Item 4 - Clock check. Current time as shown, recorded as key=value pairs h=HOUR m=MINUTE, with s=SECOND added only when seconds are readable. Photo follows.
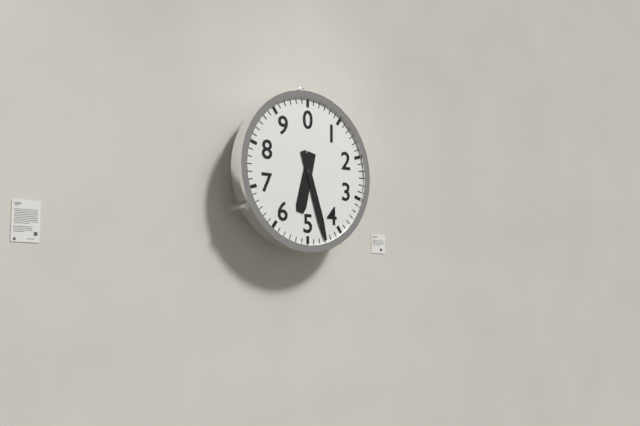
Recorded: h=6 m=27
